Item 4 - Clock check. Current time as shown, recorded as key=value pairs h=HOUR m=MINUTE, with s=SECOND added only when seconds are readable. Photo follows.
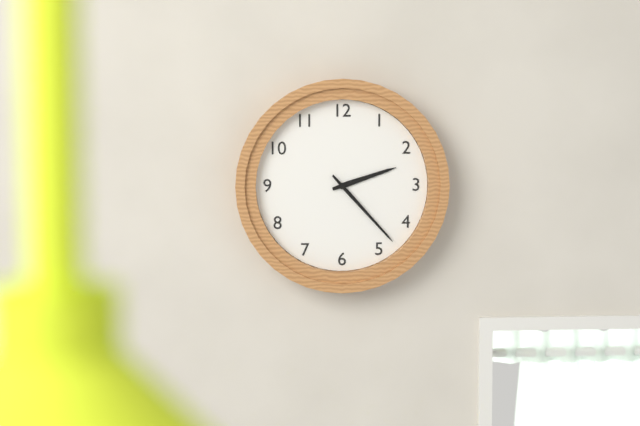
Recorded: h=2 m=23
